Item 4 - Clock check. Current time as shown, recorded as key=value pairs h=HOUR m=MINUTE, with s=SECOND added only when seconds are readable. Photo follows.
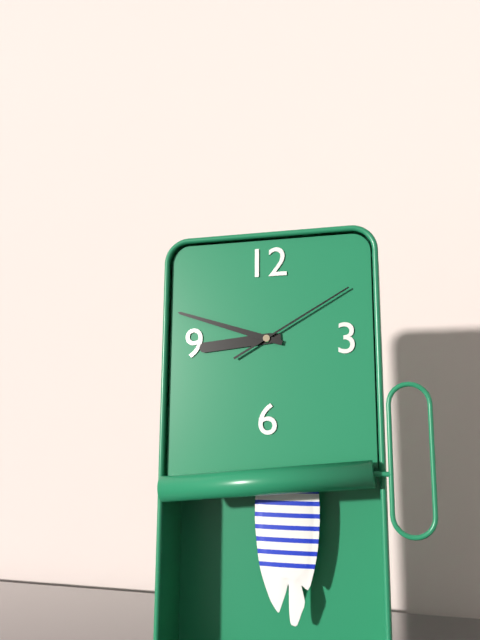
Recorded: h=8 m=48 s=10
